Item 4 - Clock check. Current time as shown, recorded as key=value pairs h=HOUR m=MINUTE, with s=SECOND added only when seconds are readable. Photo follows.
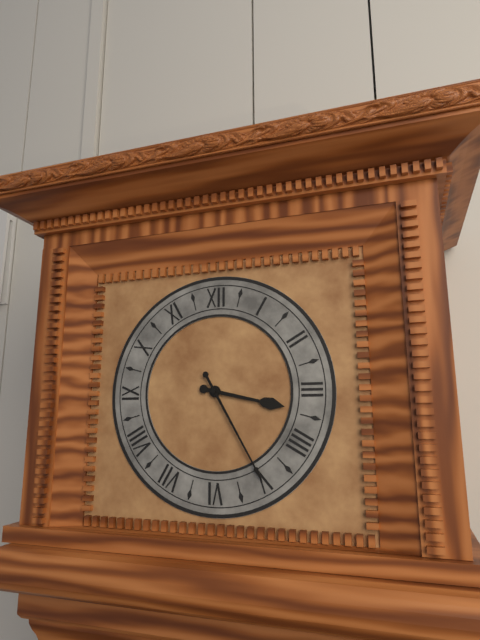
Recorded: h=3 m=25
